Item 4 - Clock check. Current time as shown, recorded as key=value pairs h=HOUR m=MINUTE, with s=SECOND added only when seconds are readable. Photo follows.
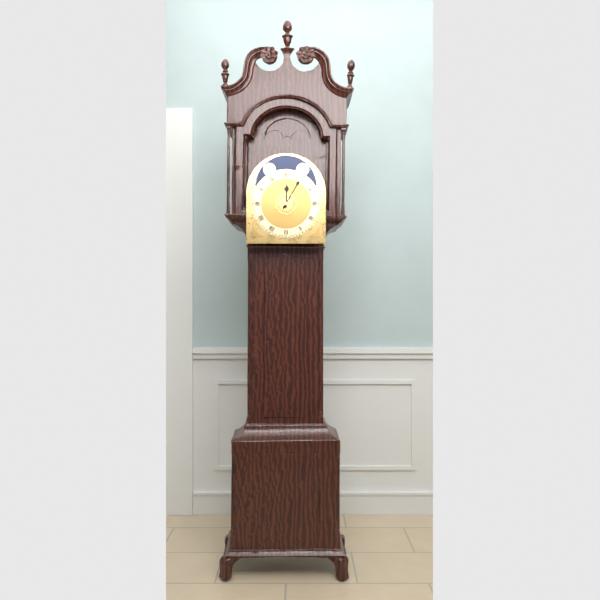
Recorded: h=12 m=5
